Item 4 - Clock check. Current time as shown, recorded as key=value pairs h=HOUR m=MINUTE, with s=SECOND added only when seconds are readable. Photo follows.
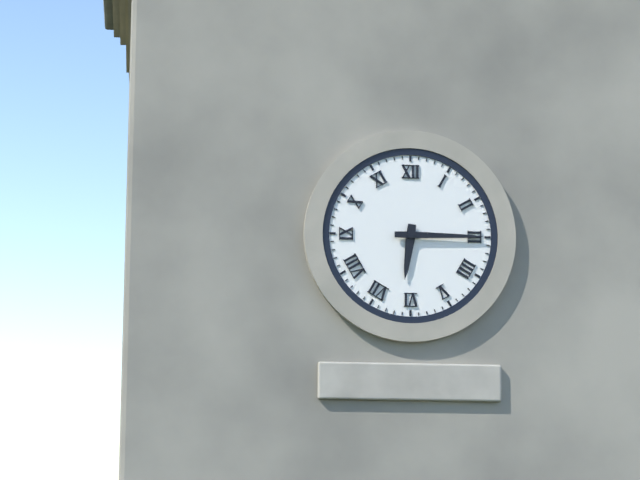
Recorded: h=6 m=15
